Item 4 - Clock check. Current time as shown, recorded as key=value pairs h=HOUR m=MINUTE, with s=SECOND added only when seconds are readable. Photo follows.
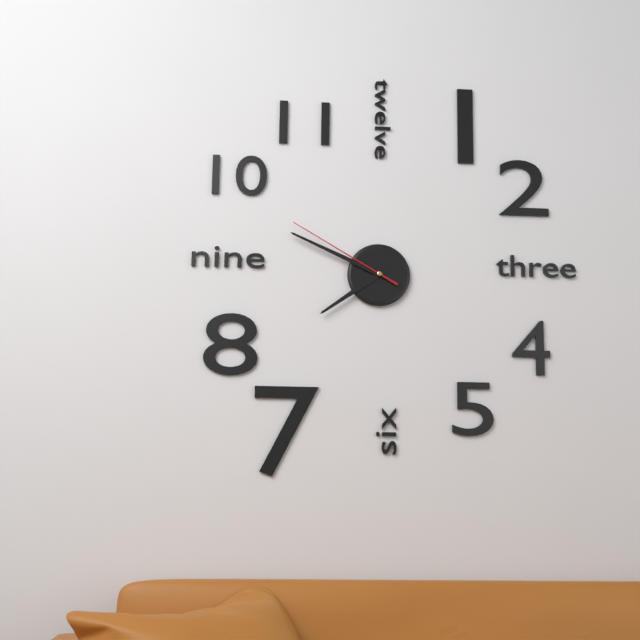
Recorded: h=7 m=49 s=50
